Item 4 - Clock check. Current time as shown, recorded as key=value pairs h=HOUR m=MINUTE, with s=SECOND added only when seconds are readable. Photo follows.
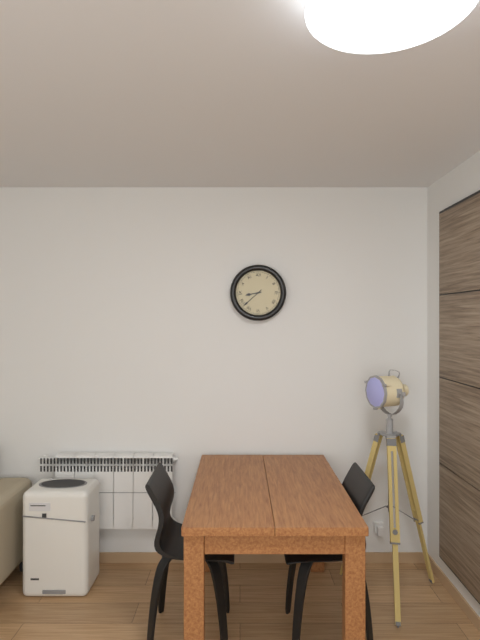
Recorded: h=8 m=38
